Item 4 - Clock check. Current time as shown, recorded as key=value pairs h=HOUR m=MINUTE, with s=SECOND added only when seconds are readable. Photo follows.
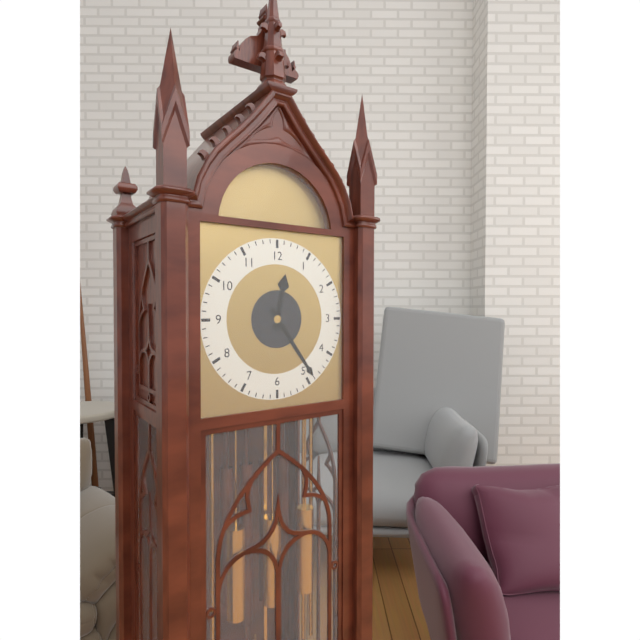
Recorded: h=12 m=24
